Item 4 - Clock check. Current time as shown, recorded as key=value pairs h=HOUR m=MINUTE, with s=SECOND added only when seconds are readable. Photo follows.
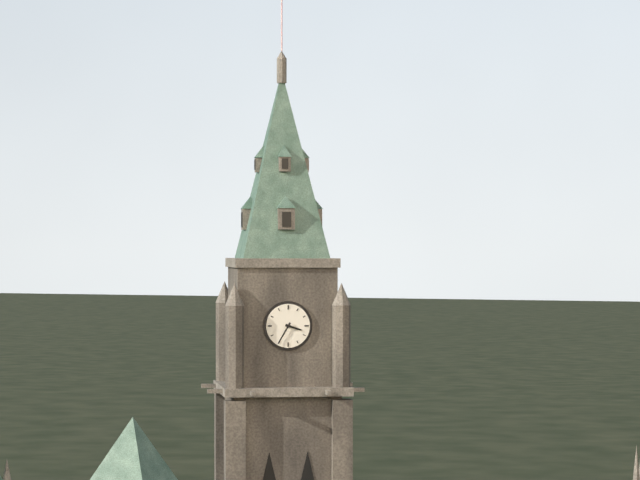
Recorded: h=3 m=35
